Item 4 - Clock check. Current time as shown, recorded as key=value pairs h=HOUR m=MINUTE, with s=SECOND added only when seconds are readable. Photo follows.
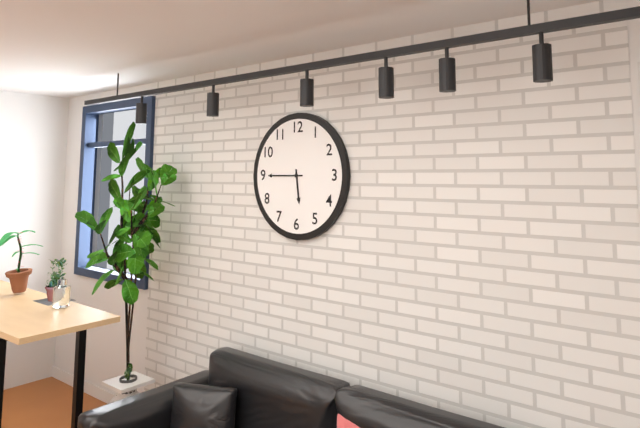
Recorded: h=5 m=45
